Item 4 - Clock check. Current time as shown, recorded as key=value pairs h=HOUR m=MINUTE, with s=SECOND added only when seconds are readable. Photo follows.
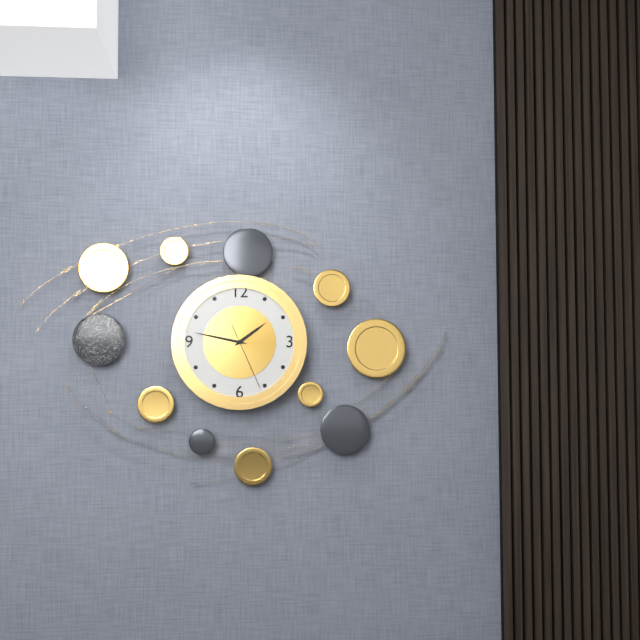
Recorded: h=1 m=47 s=26
